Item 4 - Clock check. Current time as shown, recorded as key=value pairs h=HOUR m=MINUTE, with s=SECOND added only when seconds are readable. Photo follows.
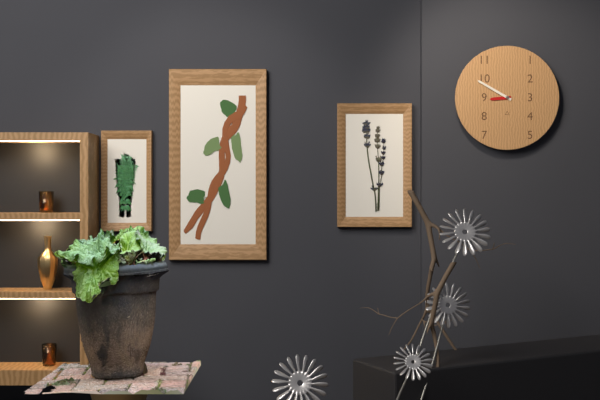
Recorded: h=8 m=50
